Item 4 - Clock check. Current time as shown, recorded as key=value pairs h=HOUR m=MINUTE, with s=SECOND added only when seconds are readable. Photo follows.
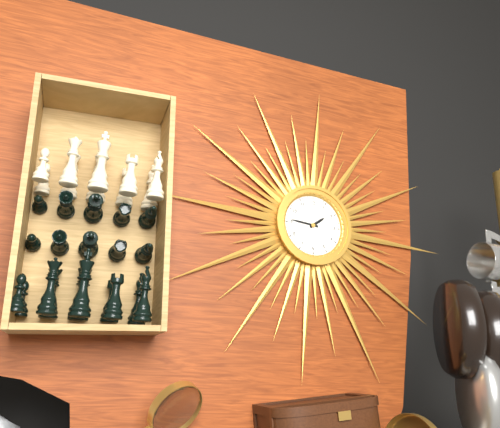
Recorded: h=1 m=46
